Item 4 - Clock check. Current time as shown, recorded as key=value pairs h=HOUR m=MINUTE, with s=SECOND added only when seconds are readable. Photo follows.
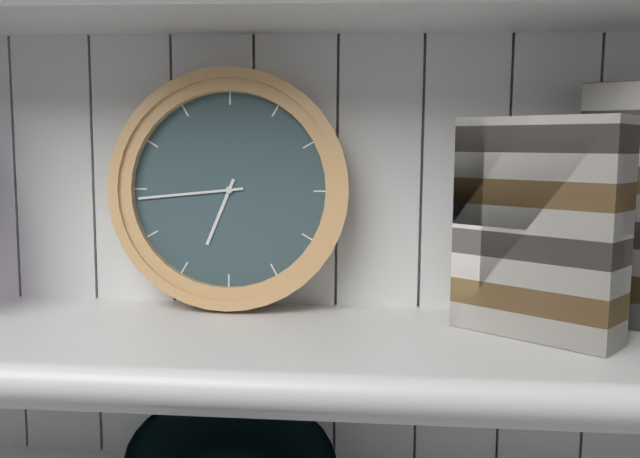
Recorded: h=6 m=44
